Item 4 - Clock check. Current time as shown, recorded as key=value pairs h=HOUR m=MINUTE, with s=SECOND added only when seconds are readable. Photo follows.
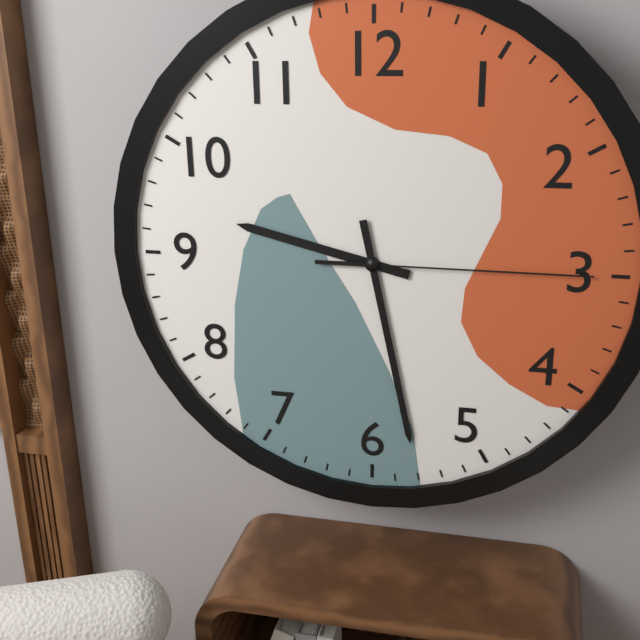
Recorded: h=9 m=28 s=15
